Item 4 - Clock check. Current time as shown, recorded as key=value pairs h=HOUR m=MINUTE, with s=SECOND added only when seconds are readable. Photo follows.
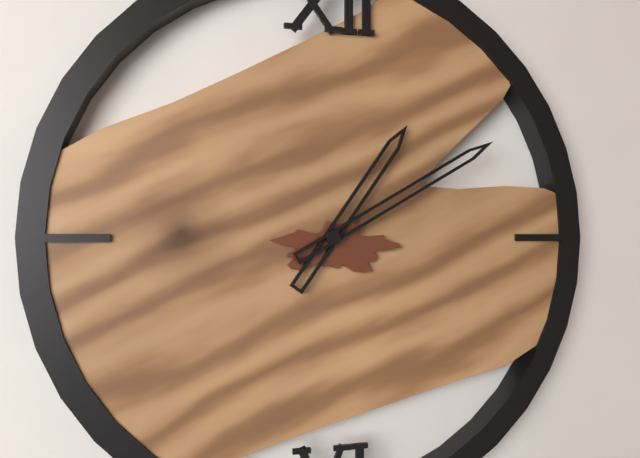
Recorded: h=1 m=10
